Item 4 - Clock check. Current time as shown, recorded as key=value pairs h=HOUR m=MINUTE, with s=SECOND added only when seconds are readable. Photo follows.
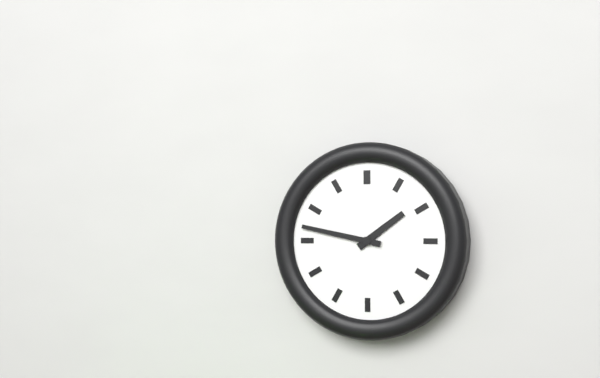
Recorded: h=1 m=47
